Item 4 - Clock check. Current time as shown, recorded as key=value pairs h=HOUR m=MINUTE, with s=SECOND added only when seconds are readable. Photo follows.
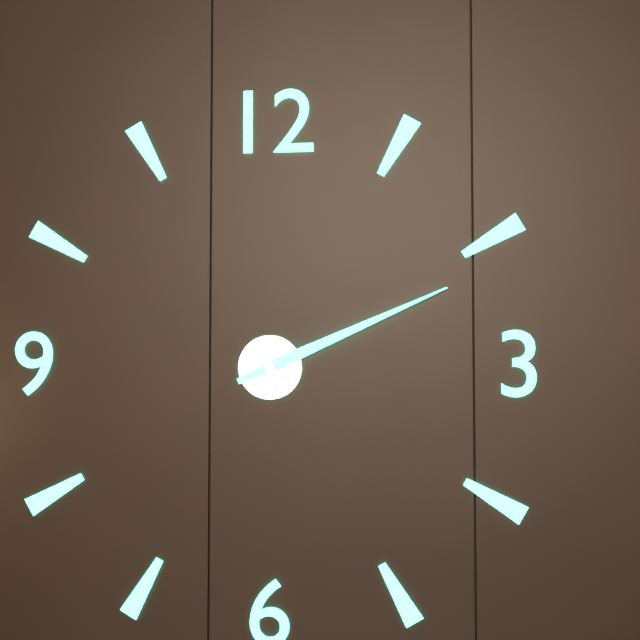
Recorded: h=2 m=11
